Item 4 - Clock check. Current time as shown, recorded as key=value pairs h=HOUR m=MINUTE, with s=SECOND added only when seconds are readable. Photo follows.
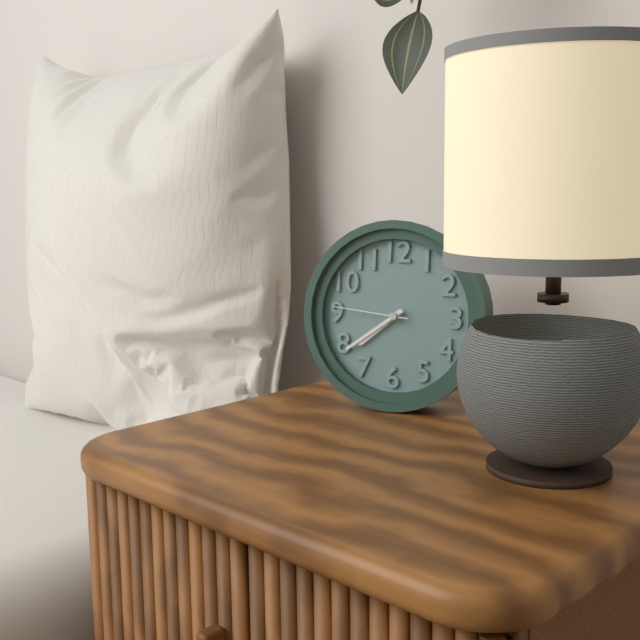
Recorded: h=7 m=39 s=46
